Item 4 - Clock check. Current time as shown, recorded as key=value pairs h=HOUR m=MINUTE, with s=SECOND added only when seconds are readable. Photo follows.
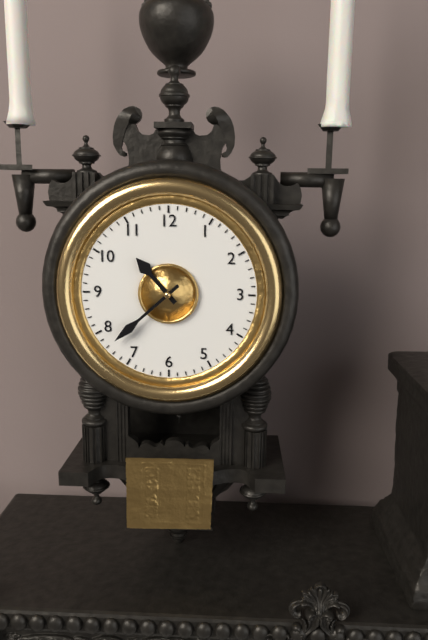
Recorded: h=10 m=38
